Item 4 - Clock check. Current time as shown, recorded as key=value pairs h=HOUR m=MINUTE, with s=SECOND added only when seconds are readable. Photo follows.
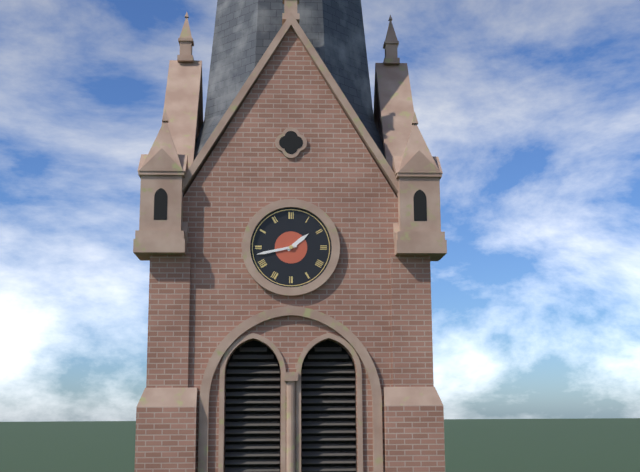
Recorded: h=1 m=43
